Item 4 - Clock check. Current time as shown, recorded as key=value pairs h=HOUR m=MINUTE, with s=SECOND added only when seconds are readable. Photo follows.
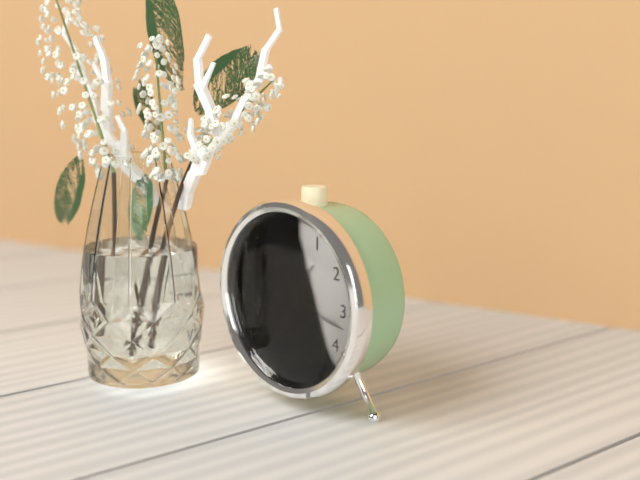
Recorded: h=1 m=17
